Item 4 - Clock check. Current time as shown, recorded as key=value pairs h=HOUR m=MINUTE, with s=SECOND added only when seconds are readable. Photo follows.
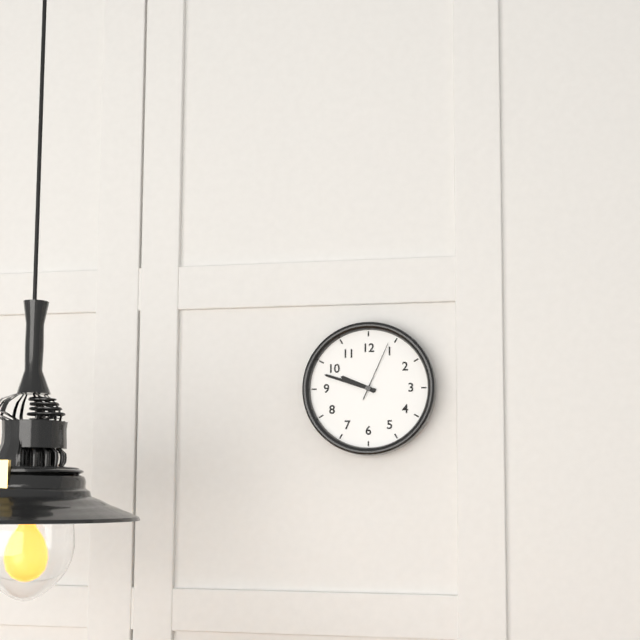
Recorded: h=9 m=48 s=4
